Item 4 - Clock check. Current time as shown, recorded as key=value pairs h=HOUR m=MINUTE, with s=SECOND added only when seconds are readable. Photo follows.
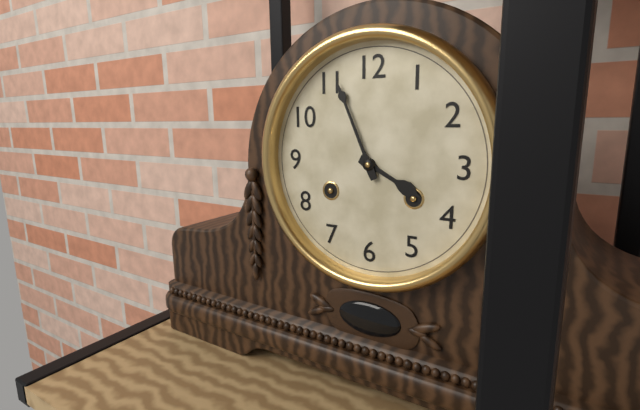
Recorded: h=3 m=56
